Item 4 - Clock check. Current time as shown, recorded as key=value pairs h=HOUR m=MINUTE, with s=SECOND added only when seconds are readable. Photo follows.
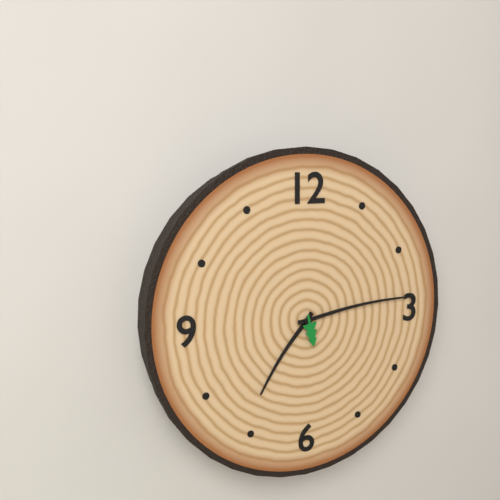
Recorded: h=7 m=14
